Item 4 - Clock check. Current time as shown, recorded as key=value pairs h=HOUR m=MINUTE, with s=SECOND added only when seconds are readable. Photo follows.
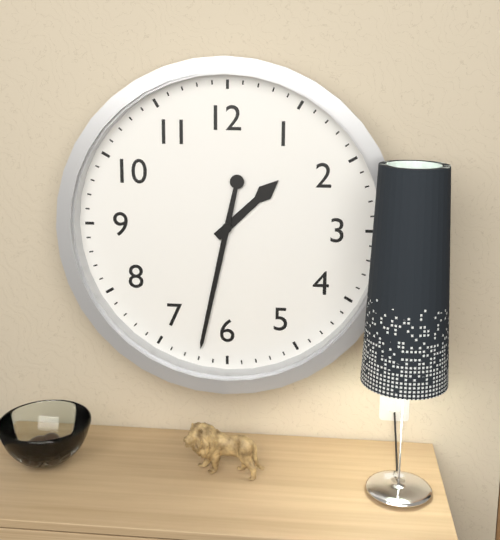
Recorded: h=1 m=32
